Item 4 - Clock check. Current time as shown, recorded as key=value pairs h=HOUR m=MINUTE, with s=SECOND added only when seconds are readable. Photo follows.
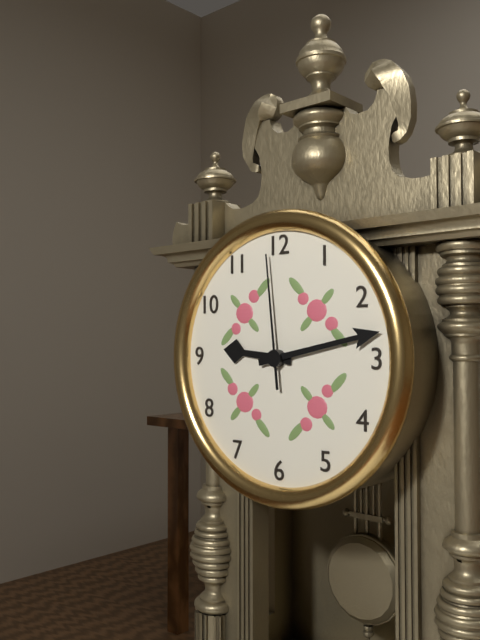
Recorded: h=9 m=13 s=59
